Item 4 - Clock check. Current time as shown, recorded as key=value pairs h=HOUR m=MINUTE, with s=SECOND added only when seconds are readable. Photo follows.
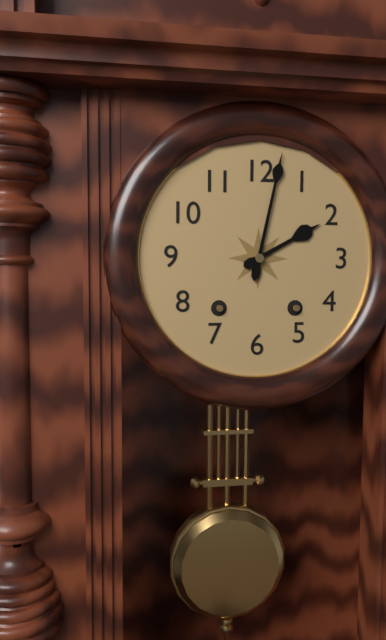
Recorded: h=2 m=2
